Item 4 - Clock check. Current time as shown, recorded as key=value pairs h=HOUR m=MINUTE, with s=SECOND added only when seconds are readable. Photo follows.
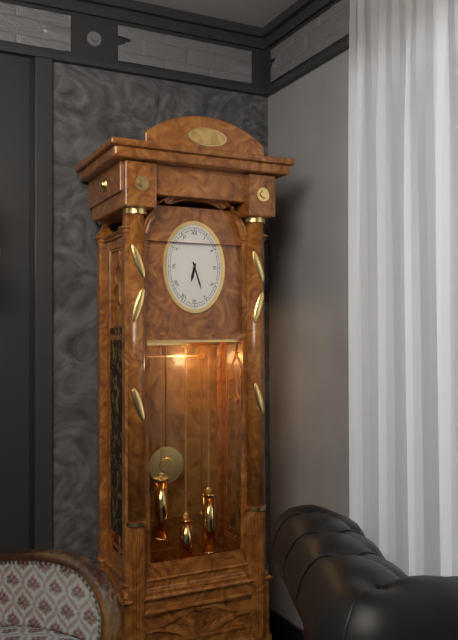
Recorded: h=6 m=27
